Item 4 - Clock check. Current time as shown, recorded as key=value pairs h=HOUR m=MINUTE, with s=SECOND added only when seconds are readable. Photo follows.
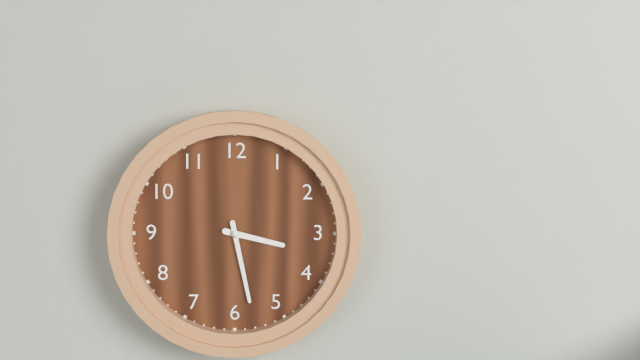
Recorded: h=3 m=28
